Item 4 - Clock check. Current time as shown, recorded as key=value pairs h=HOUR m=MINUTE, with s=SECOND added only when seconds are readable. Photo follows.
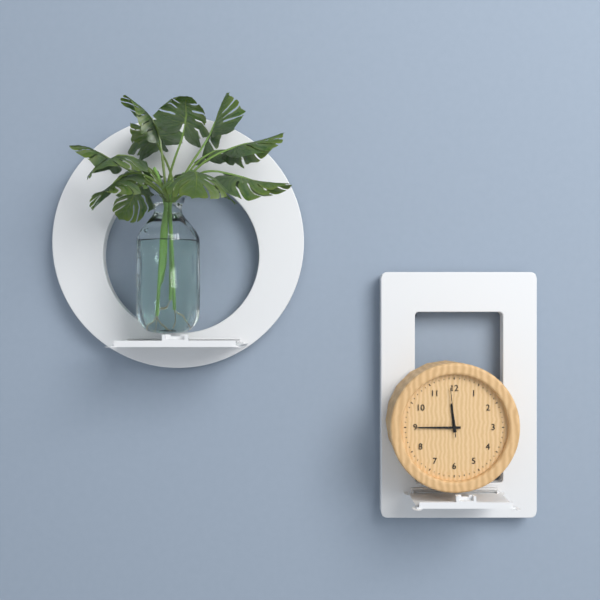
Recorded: h=11 m=45 s=59
